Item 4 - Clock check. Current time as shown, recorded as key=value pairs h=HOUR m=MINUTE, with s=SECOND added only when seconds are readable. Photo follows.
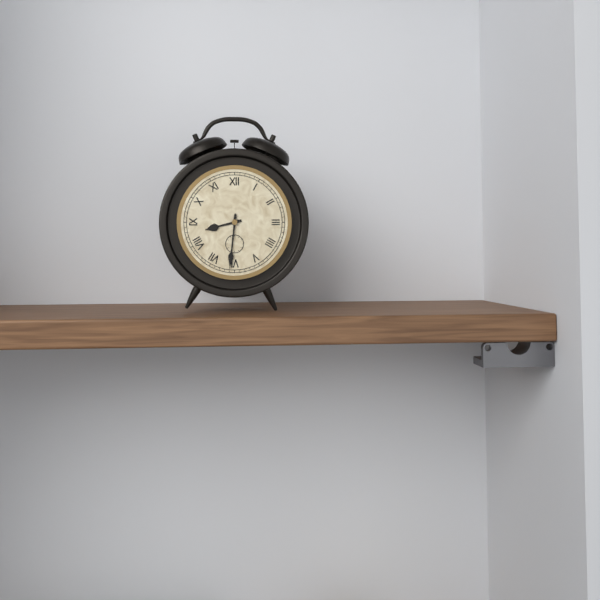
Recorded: h=8 m=31
